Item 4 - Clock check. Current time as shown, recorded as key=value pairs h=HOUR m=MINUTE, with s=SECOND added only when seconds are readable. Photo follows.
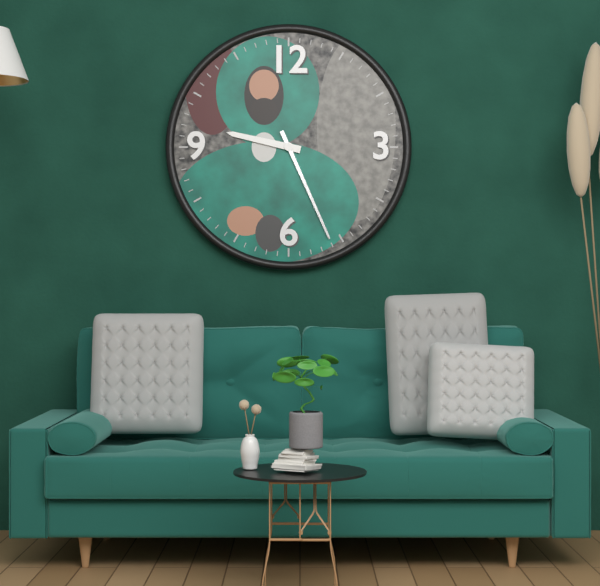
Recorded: h=9 m=26
